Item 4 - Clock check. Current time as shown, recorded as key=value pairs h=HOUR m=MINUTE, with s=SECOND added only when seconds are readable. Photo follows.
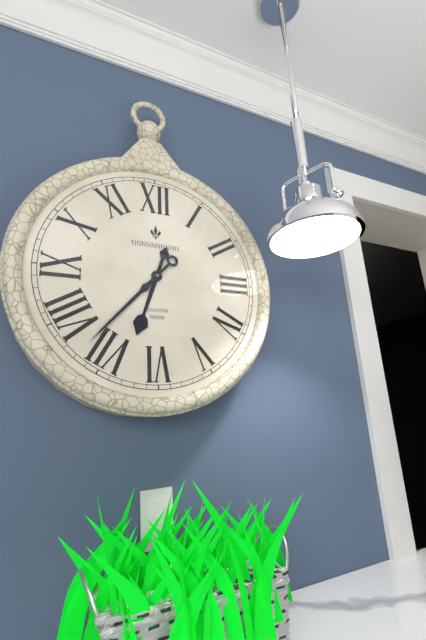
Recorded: h=6 m=37
